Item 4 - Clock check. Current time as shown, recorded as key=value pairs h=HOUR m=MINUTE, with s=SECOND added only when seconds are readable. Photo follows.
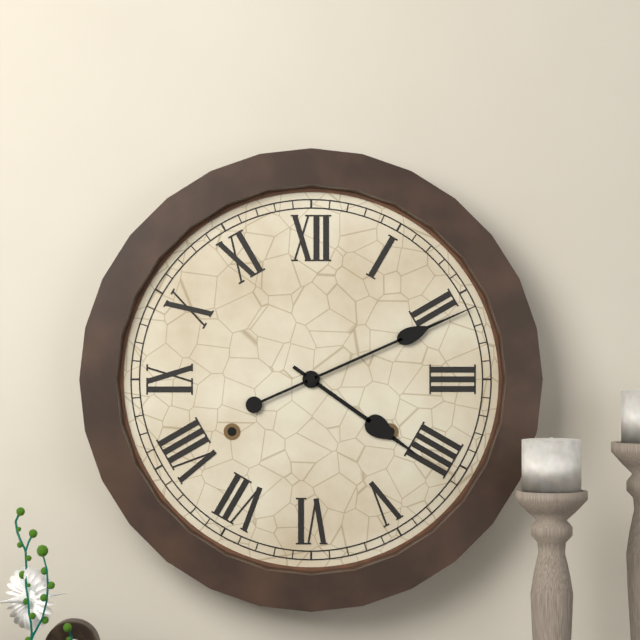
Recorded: h=4 m=11
